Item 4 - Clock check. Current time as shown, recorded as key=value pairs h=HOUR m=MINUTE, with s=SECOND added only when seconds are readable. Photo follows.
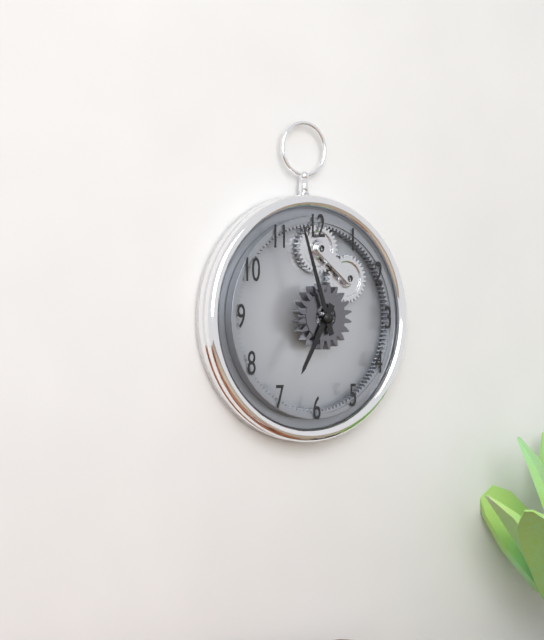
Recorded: h=6 m=57
